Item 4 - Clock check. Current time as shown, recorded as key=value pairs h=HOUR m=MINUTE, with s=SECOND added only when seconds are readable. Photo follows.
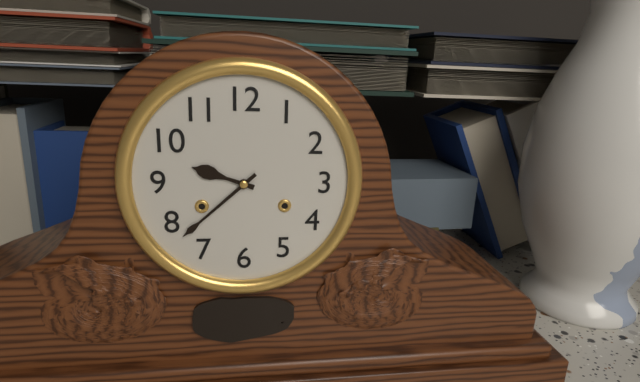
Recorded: h=9 m=38
